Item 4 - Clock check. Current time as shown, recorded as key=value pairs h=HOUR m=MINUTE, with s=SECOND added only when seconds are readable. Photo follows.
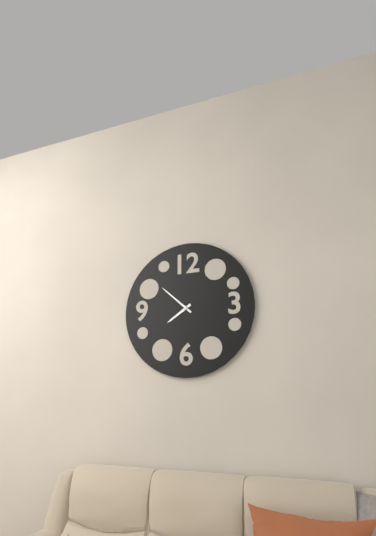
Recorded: h=7 m=52
